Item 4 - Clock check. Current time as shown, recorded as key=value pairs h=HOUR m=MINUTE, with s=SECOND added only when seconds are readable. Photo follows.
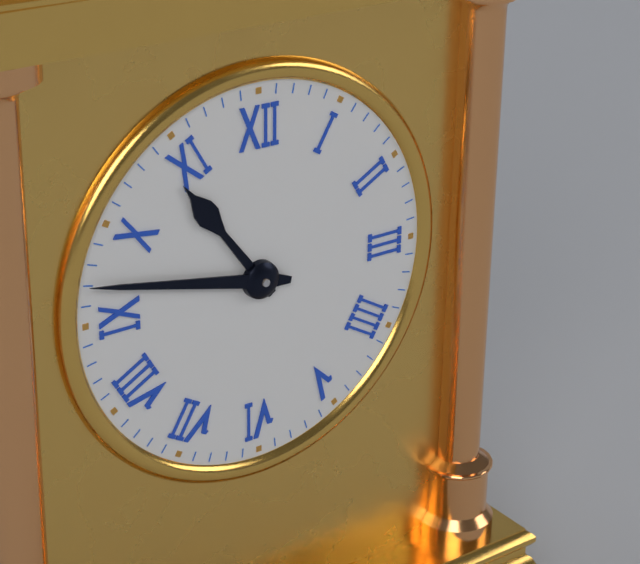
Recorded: h=10 m=47
